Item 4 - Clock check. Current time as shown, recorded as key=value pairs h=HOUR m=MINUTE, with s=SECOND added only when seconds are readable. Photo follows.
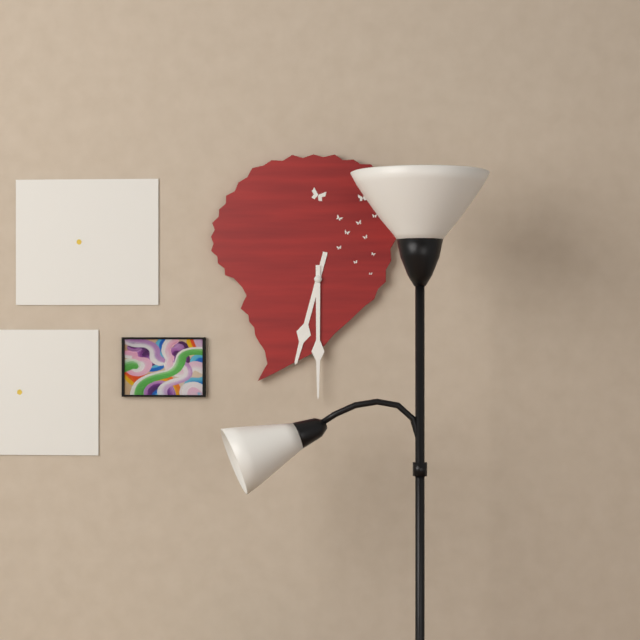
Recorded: h=6 m=30
